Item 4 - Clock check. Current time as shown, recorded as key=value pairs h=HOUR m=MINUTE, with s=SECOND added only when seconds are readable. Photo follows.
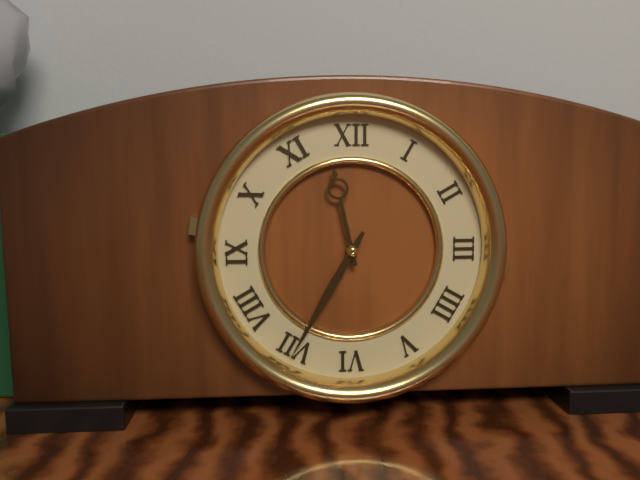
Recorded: h=11 m=35
